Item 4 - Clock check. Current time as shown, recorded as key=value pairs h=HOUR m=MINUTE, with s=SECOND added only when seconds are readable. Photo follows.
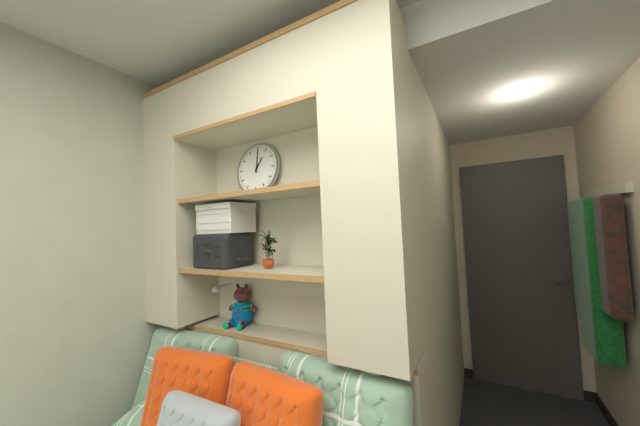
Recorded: h=1 m=0
